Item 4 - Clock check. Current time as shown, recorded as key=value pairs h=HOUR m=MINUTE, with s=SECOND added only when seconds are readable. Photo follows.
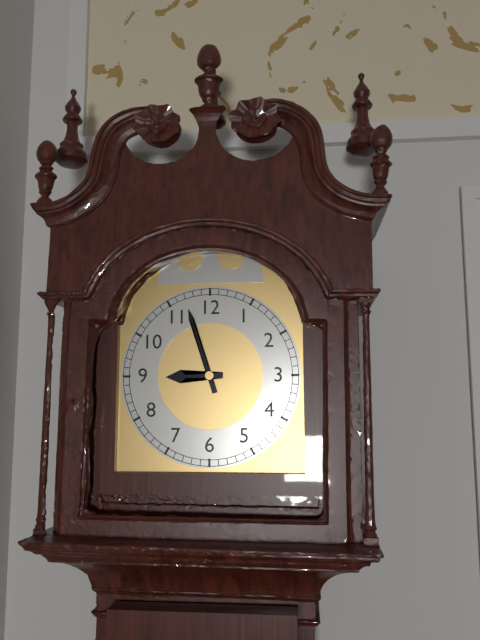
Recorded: h=8 m=57
